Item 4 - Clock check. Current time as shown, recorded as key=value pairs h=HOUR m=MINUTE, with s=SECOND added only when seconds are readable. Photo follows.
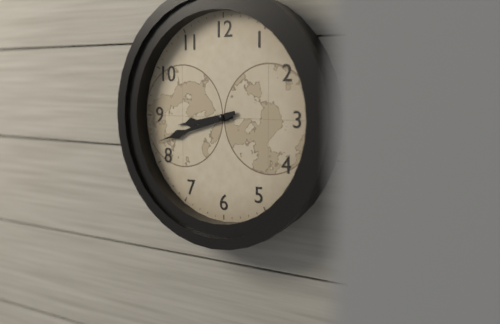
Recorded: h=8 m=42
